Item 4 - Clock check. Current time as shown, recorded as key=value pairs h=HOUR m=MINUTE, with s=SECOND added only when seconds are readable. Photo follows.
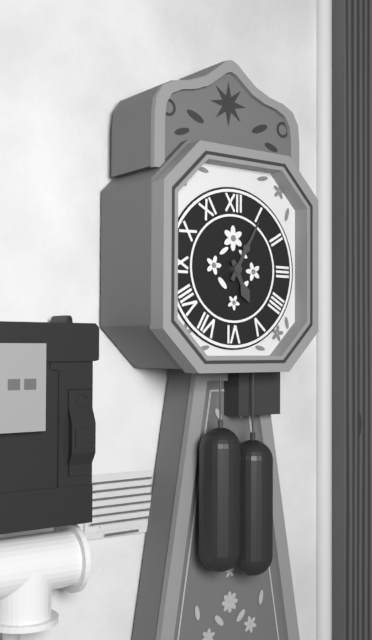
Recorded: h=5 m=5
